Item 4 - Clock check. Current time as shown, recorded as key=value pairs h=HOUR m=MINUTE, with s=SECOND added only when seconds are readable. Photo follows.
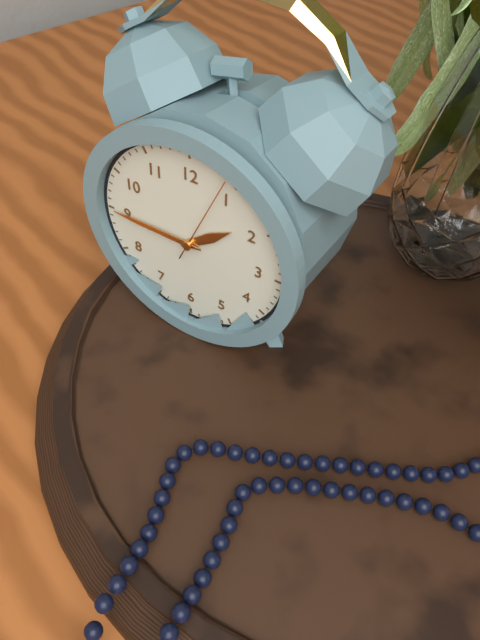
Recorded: h=1 m=45 s=4
